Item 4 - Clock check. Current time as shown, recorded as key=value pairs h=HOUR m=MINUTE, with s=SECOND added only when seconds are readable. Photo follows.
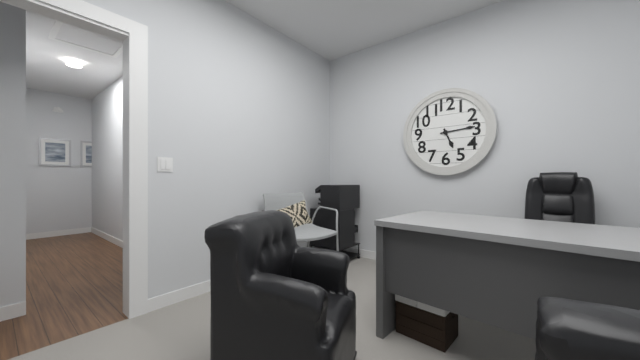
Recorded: h=5 m=14
